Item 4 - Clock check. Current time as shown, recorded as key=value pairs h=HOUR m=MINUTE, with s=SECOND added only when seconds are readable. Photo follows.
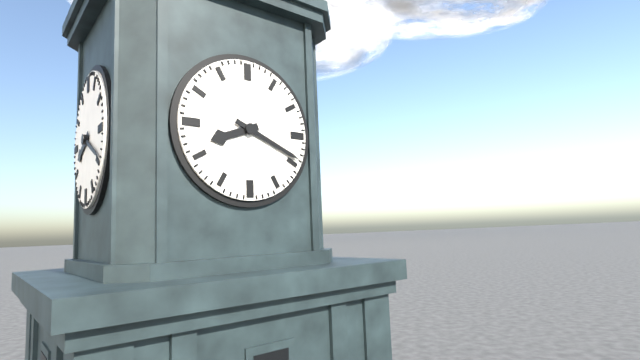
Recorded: h=8 m=19
